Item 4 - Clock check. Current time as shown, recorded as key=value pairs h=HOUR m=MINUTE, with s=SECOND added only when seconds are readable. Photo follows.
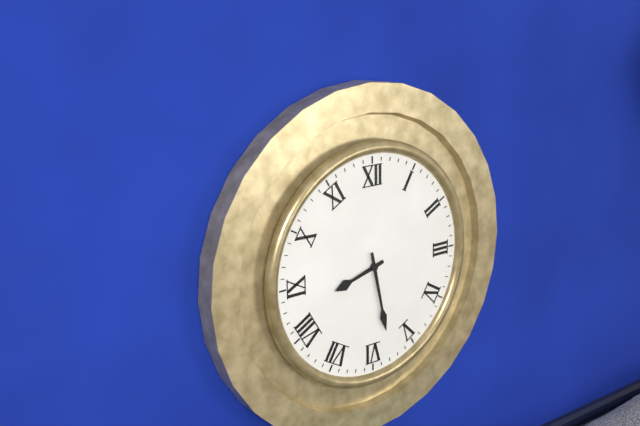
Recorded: h=8 m=28
